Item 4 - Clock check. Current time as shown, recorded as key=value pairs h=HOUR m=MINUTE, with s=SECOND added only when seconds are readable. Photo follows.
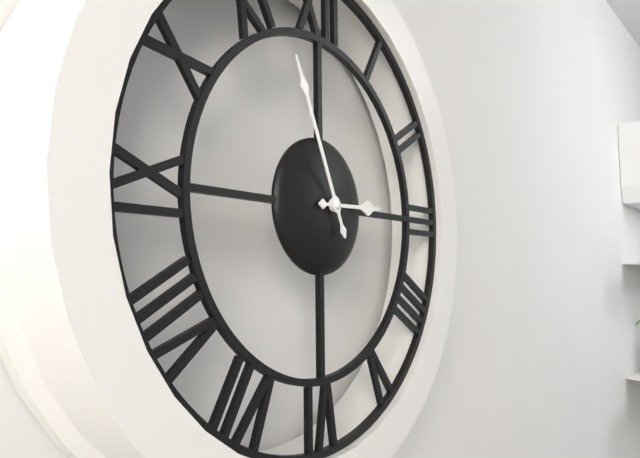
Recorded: h=2 m=56
